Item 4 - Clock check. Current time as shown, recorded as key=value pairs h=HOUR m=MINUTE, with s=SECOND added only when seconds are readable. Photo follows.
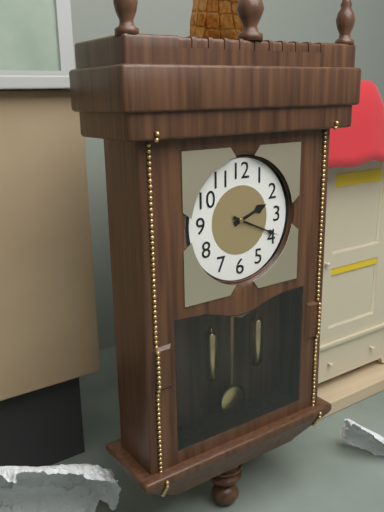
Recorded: h=2 m=19
